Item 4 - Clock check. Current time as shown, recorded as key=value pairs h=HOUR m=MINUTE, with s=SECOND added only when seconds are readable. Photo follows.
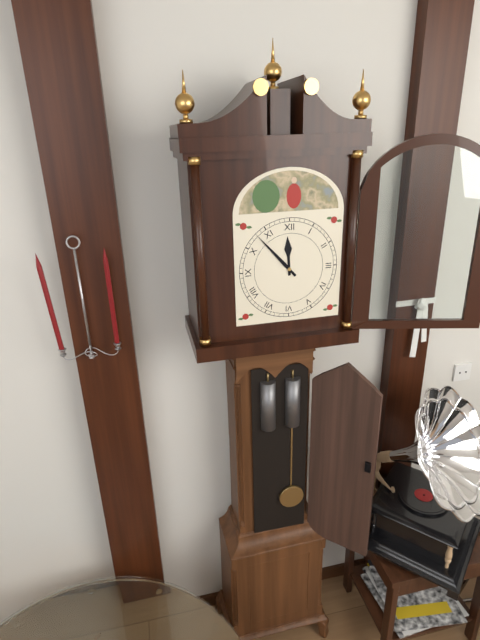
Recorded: h=11 m=53
